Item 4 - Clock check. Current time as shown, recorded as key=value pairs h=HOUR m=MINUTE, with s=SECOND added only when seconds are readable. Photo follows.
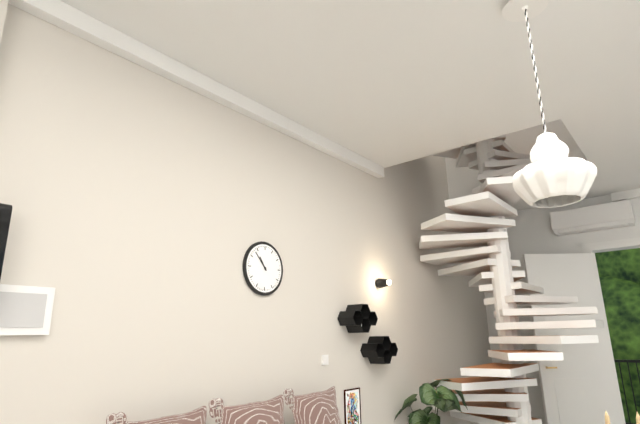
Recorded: h=10 m=53
